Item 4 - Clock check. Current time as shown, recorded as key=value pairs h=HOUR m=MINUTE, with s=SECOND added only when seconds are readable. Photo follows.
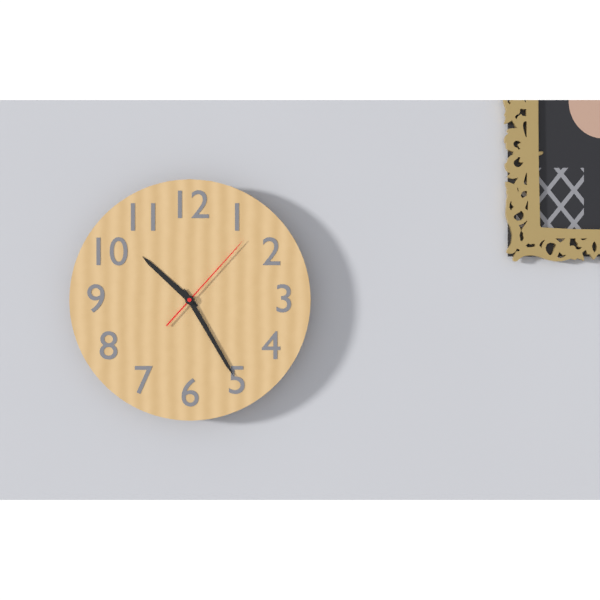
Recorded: h=10 m=25 s=7
